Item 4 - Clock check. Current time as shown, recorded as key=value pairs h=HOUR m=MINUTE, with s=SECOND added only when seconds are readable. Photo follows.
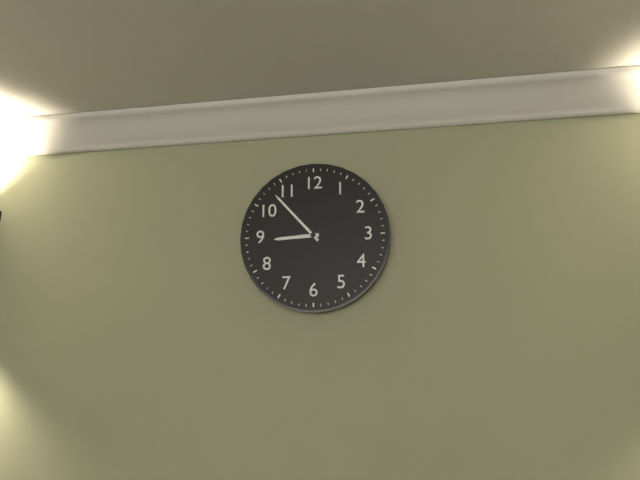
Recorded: h=8 m=53
